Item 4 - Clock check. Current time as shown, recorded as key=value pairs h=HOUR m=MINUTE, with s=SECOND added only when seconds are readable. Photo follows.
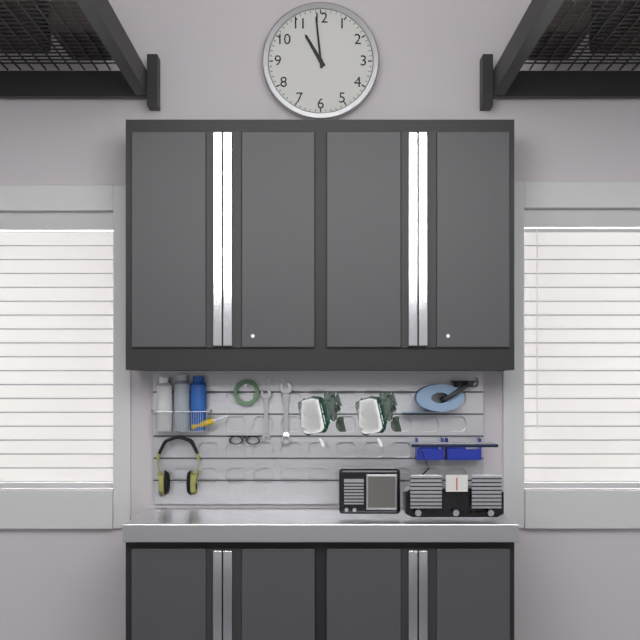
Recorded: h=10 m=59
